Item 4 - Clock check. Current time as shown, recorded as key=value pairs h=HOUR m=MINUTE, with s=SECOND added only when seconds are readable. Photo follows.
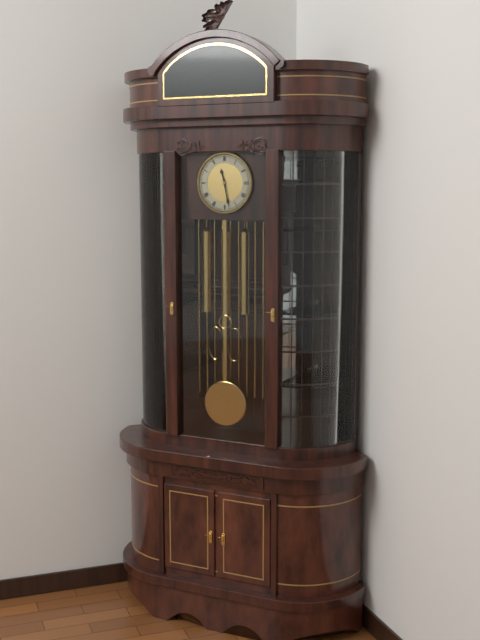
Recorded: h=11 m=28
